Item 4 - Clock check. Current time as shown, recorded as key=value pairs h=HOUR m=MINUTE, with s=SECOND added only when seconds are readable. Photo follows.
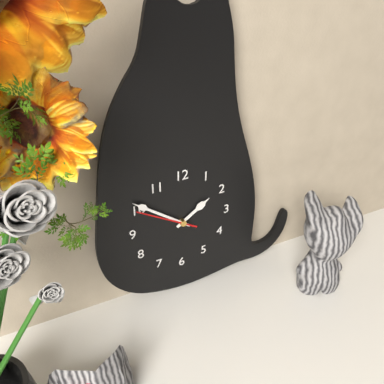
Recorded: h=1 m=51 s=50
